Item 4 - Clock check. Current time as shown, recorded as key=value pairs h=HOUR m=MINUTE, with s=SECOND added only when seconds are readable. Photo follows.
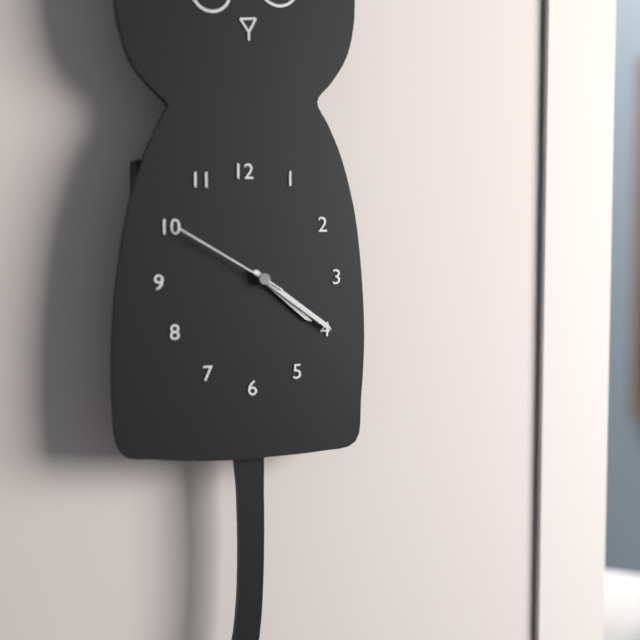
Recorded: h=4 m=21 s=50
